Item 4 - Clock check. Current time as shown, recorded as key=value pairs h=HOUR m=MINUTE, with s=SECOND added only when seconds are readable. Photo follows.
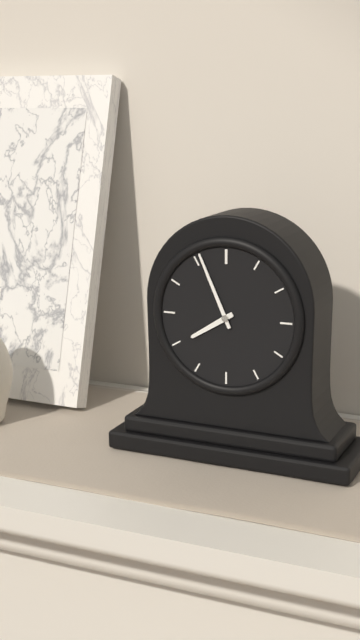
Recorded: h=7 m=56
